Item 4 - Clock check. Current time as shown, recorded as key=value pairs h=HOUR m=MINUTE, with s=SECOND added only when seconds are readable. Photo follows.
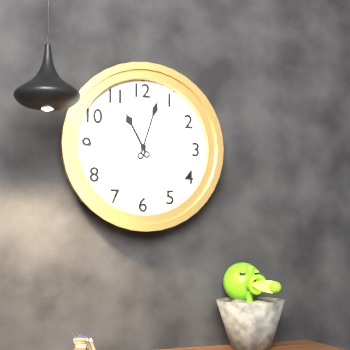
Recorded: h=11 m=3
